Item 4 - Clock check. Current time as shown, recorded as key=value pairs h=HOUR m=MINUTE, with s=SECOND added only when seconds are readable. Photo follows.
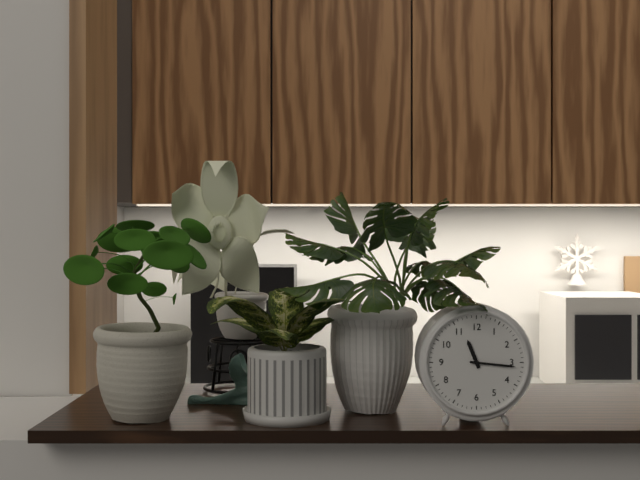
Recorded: h=11 m=16
